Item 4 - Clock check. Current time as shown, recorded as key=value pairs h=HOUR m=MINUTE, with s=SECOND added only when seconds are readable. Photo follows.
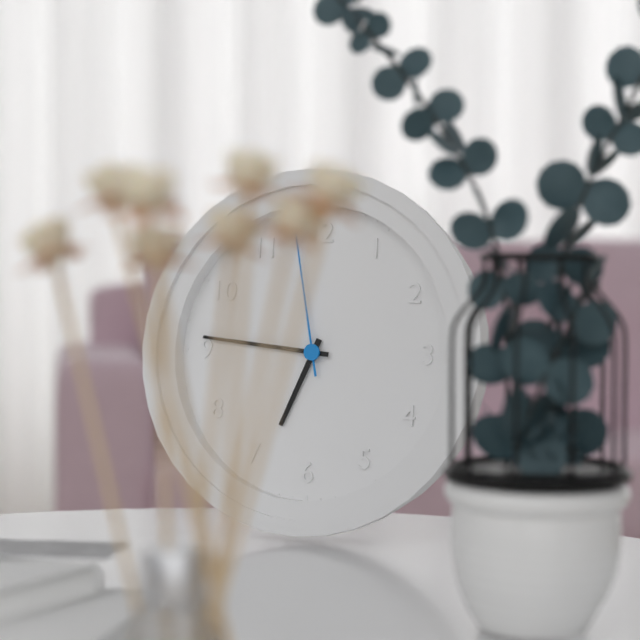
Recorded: h=6 m=46 s=58
